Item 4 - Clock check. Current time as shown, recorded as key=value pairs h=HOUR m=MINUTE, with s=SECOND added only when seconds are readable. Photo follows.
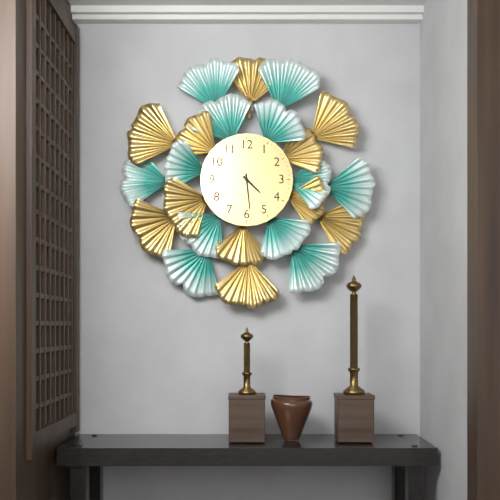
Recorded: h=4 m=29
